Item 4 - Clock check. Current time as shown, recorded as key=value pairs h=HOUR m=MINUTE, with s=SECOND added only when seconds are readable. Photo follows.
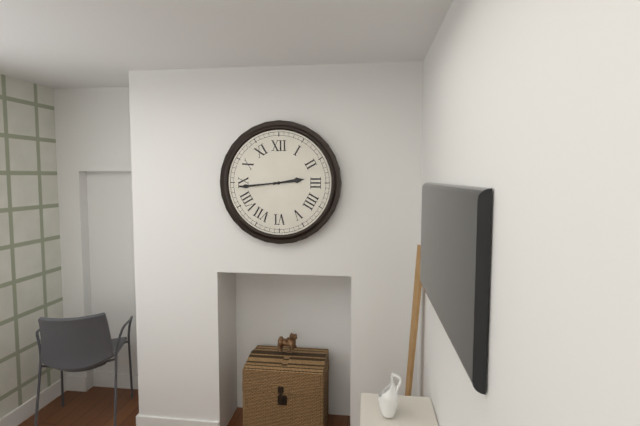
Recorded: h=2 m=44
